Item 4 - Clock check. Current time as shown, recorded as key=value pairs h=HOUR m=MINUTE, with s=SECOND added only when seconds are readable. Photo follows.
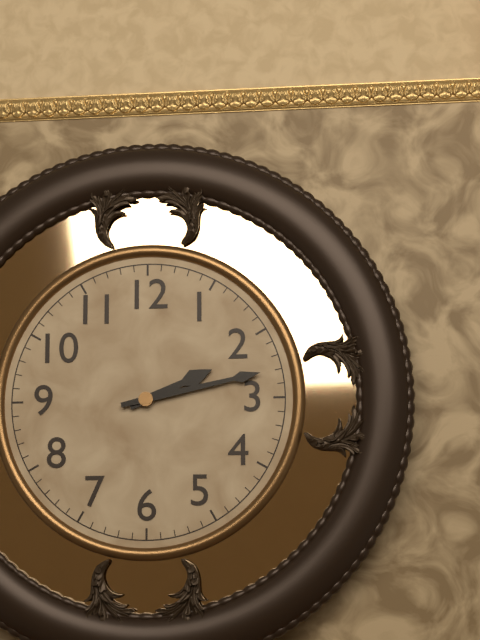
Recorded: h=2 m=13
